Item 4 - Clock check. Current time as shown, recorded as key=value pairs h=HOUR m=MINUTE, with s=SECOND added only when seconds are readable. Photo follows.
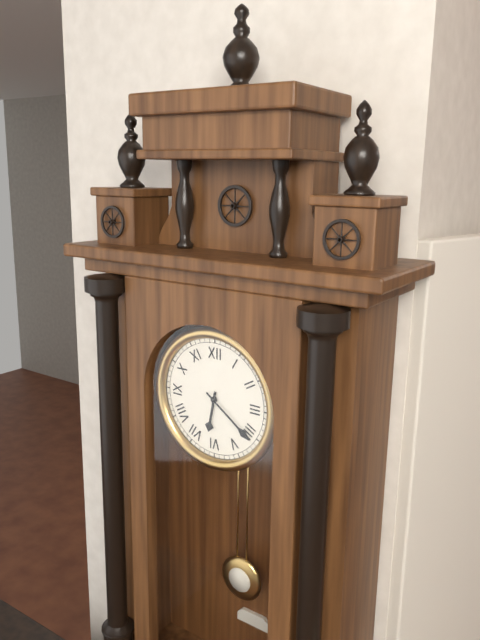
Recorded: h=6 m=21
